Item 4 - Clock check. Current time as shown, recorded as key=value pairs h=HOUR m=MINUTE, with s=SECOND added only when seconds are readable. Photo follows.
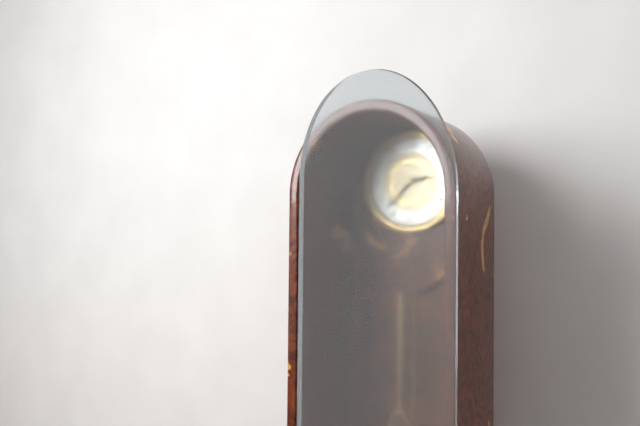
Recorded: h=2 m=37
